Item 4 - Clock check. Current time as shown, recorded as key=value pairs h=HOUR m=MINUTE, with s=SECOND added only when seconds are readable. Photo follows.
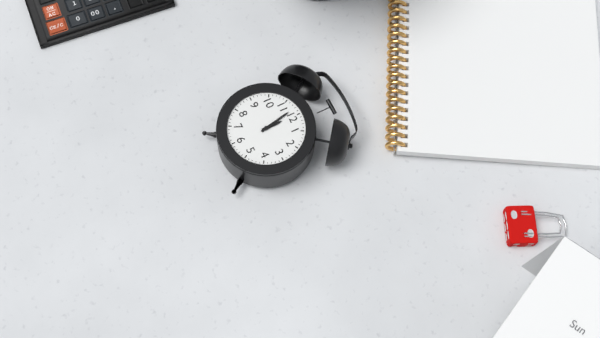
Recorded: h=11 m=58
